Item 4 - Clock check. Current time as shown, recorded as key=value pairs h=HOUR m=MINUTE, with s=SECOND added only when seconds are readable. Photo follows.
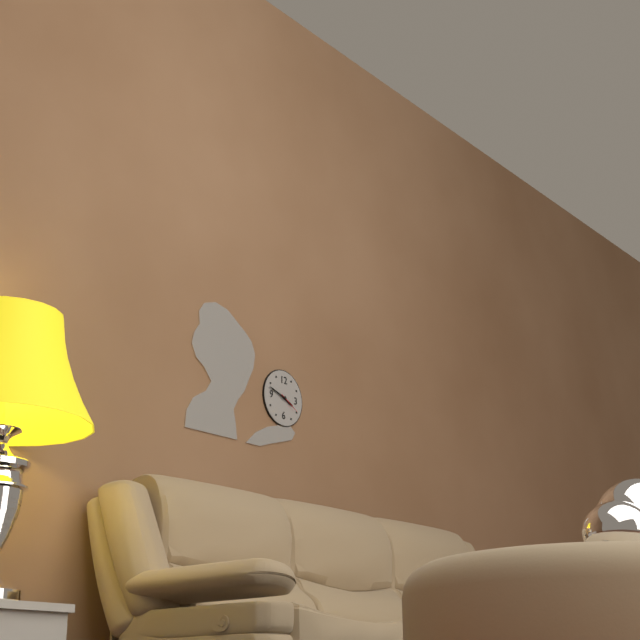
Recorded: h=3 m=48
